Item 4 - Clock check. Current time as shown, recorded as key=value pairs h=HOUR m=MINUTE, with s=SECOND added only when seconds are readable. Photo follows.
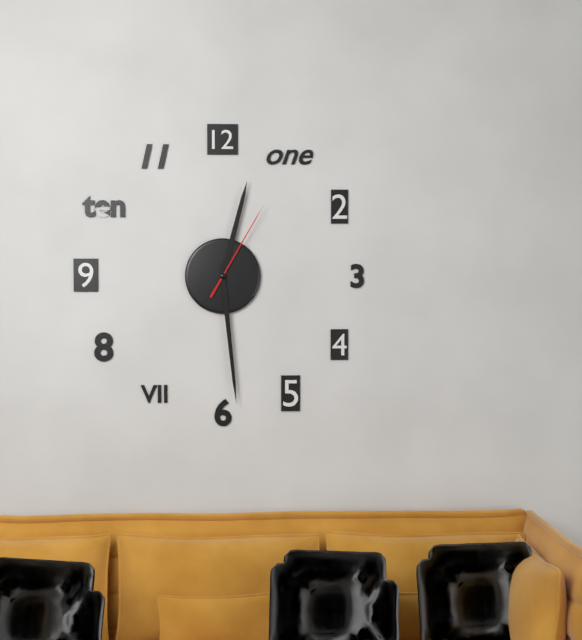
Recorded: h=12 m=29 s=5
